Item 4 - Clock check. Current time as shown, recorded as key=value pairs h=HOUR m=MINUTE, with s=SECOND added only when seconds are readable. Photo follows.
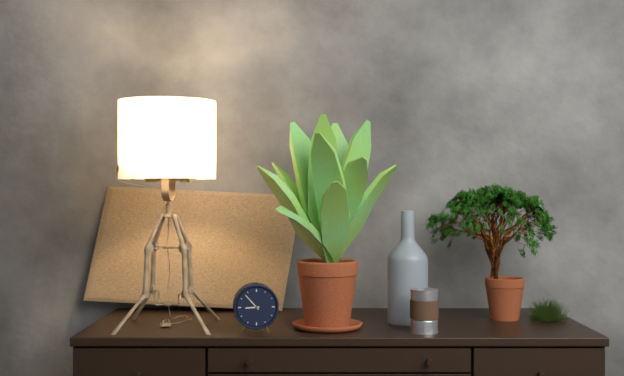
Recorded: h=8 m=53
